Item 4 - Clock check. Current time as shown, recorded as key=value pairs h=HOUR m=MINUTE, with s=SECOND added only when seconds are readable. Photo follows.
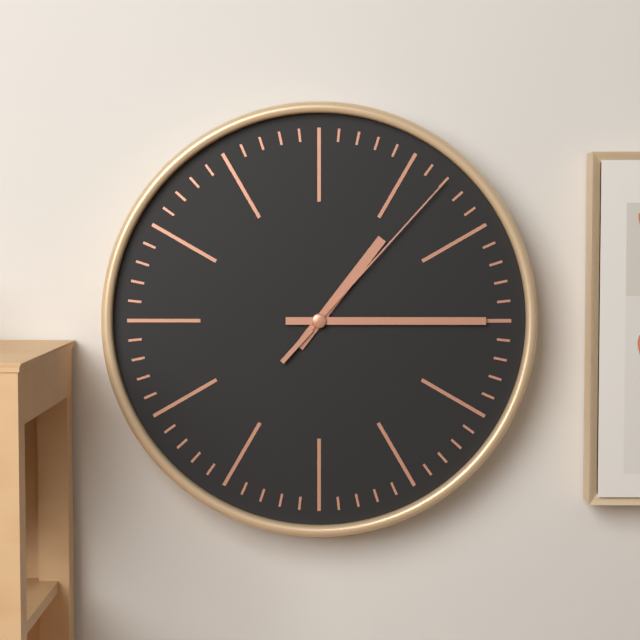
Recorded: h=1 m=15 s=7
